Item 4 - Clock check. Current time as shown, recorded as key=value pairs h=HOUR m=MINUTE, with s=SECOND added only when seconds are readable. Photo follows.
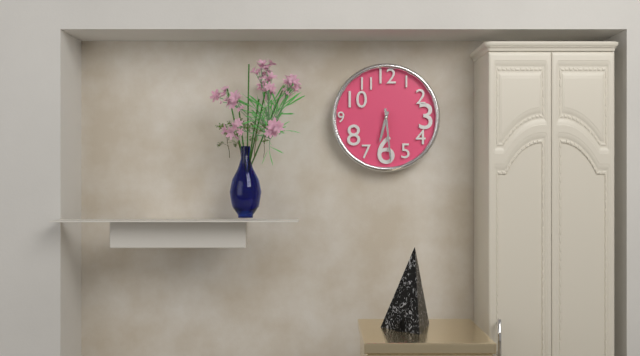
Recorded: h=6 m=29
